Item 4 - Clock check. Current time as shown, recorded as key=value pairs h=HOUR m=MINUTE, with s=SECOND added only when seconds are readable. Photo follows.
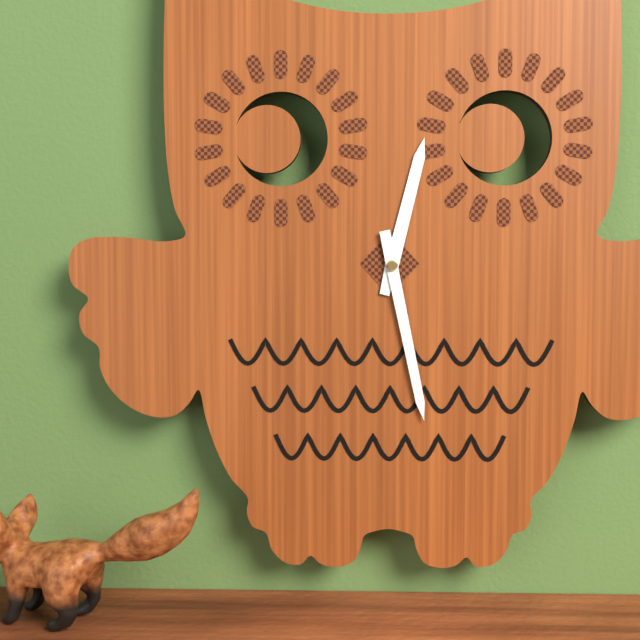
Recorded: h=12 m=28
